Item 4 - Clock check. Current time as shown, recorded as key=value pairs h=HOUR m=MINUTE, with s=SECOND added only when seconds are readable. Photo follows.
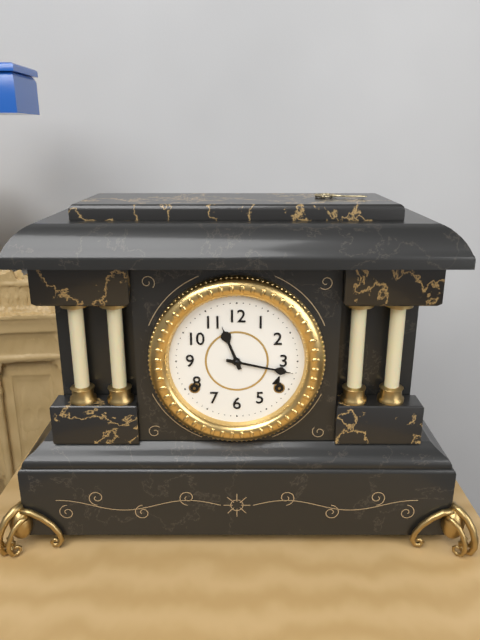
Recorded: h=11 m=17
